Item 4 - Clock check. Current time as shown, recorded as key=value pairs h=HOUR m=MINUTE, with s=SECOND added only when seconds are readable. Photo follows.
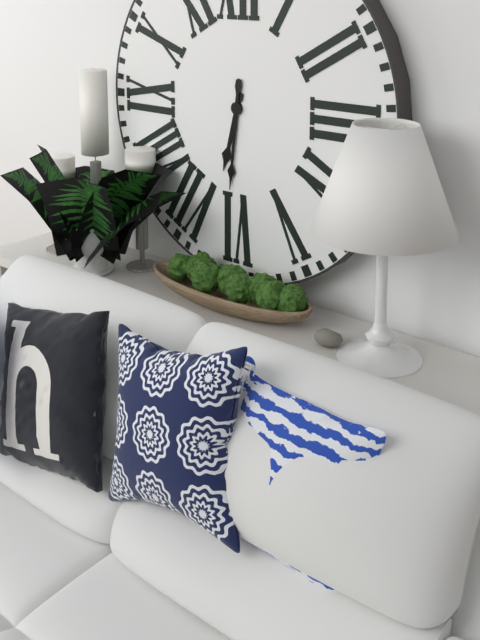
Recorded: h=6 m=31
